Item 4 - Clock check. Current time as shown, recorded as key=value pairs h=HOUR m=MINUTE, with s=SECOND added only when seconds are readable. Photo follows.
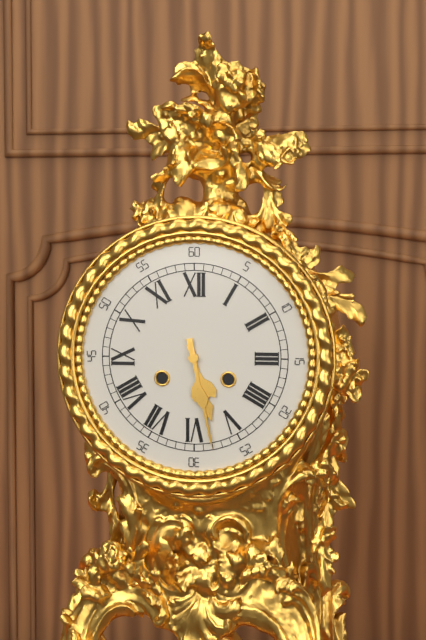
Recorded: h=5 m=28
